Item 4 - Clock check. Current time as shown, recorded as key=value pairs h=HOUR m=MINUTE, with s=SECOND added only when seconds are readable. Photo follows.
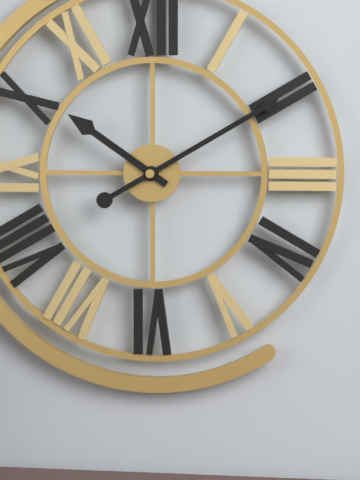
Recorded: h=10 m=10
